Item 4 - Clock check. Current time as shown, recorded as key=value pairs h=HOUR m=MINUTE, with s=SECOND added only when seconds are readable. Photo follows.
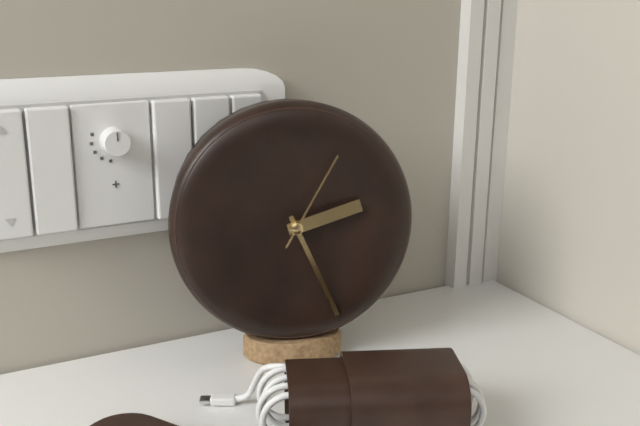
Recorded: h=2 m=26 s=5
